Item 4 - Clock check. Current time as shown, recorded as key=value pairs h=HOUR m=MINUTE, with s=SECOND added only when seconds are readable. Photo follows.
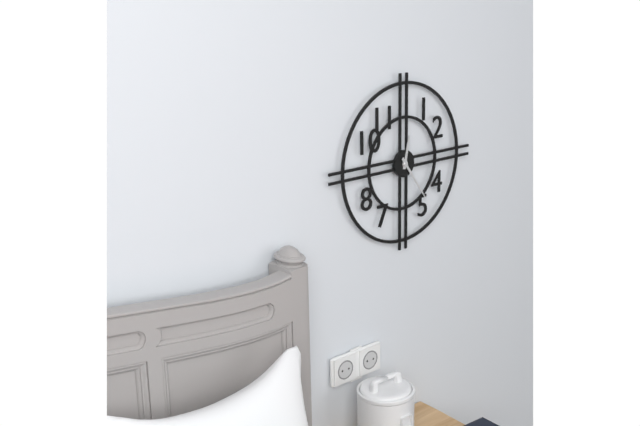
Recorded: h=12 m=24
